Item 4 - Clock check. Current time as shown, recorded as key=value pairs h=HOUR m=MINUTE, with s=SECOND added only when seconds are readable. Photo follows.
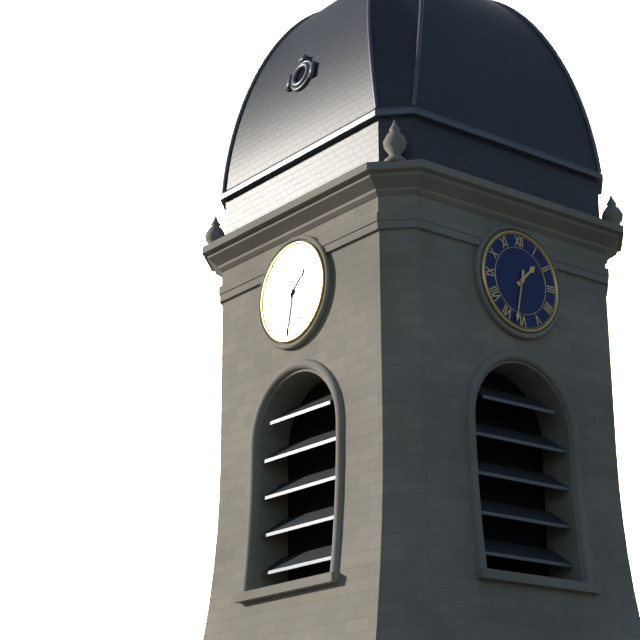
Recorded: h=1 m=32
